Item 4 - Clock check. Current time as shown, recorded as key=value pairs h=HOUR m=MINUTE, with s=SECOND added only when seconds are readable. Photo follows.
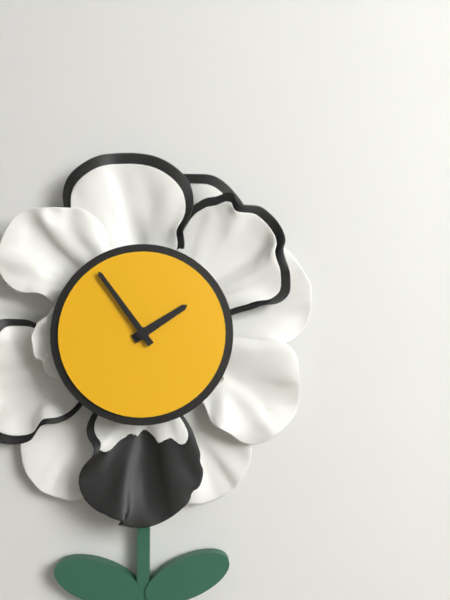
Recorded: h=1 m=54
